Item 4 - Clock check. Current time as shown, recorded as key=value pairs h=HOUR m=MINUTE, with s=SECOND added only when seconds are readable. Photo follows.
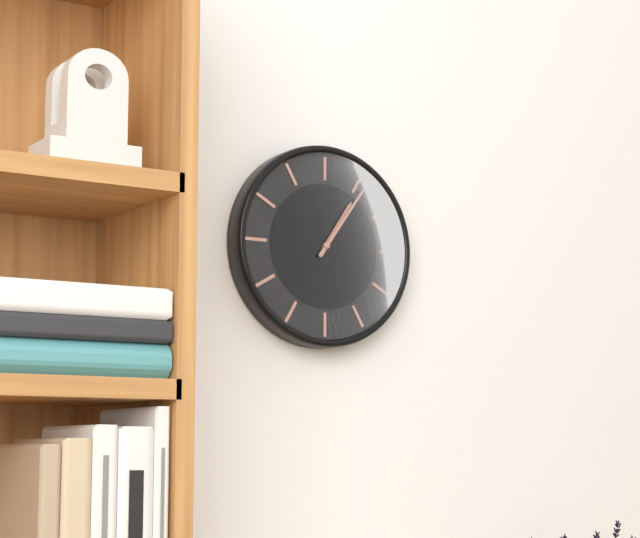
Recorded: h=1 m=6
